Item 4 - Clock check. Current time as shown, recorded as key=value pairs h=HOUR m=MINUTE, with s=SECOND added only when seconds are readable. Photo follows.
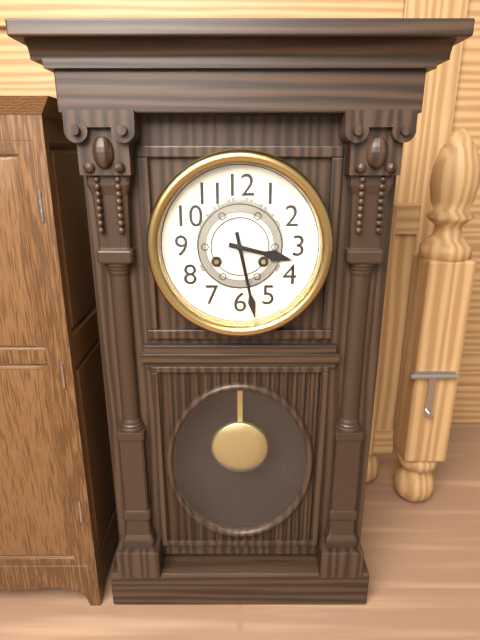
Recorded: h=3 m=28
